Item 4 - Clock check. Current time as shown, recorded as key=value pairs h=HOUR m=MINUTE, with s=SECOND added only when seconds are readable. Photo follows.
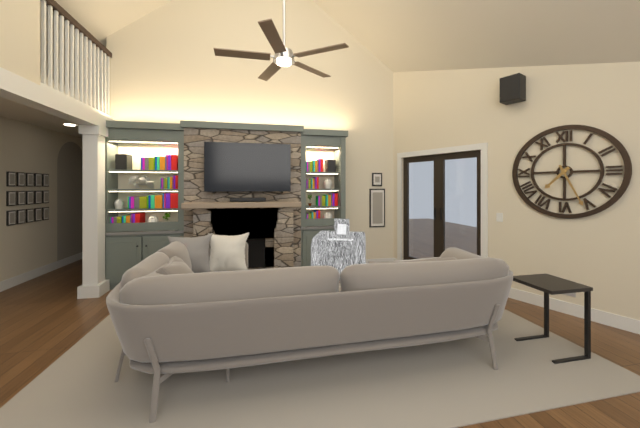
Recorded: h=7 m=26
